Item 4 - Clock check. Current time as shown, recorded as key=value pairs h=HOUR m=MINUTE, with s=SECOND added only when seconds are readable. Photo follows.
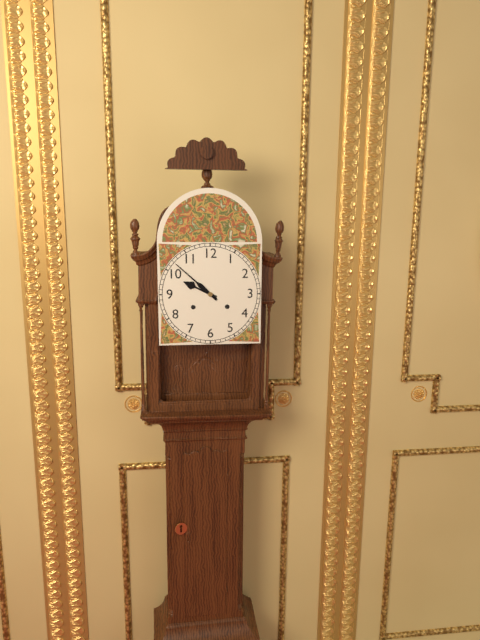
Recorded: h=9 m=52
